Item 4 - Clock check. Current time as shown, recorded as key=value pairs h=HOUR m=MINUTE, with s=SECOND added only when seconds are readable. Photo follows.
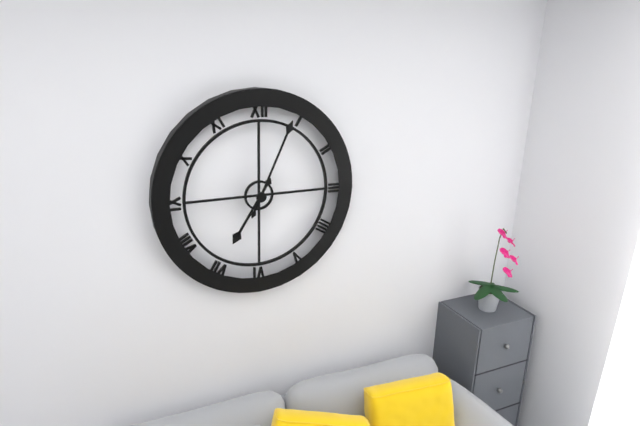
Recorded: h=7 m=4
